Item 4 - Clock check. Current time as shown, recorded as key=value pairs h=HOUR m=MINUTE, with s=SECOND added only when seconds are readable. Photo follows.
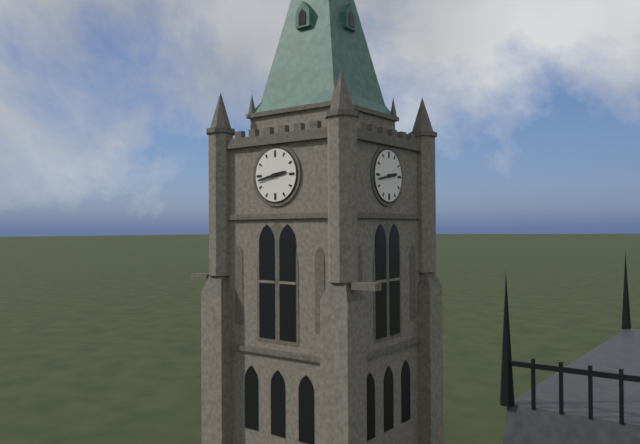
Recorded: h=2 m=43
